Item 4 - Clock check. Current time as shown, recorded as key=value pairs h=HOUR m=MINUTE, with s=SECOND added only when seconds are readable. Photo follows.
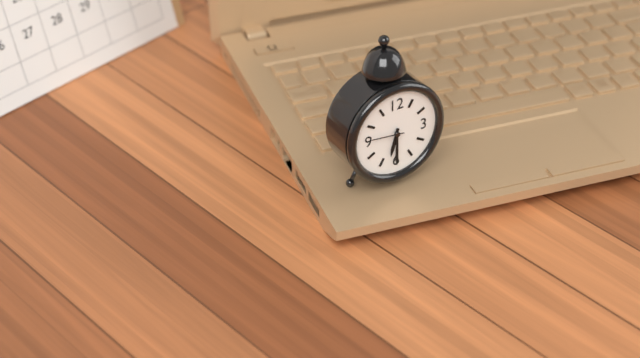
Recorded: h=6 m=30
